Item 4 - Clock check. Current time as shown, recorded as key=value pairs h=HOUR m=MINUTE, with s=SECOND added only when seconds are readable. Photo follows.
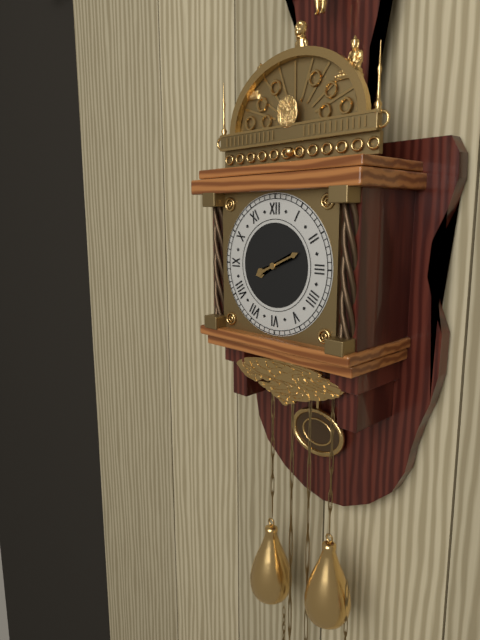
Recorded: h=8 m=11
